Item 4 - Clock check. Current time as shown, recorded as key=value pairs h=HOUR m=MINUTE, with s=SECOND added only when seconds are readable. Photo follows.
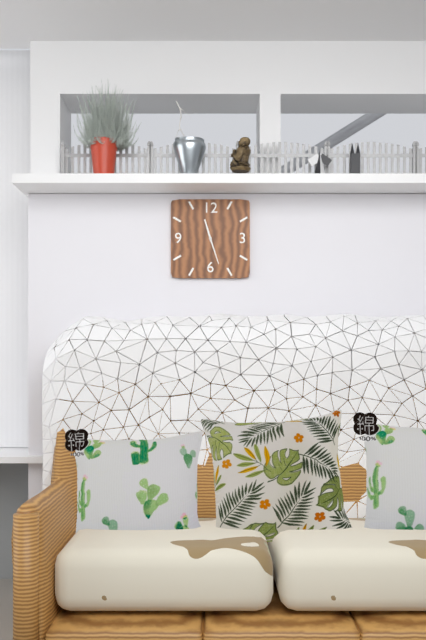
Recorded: h=11 m=27
